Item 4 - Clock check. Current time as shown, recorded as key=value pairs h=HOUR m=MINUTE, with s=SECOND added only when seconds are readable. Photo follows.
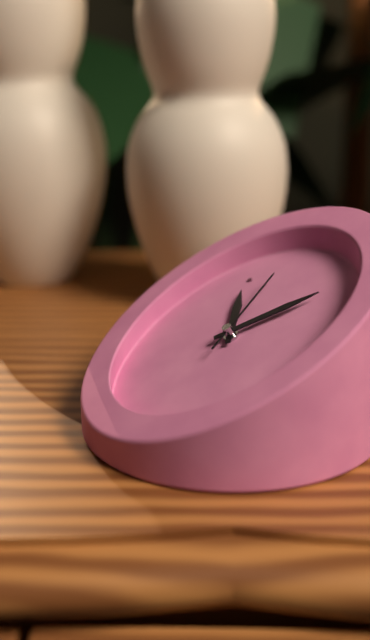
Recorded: h=1 m=19 s=11
